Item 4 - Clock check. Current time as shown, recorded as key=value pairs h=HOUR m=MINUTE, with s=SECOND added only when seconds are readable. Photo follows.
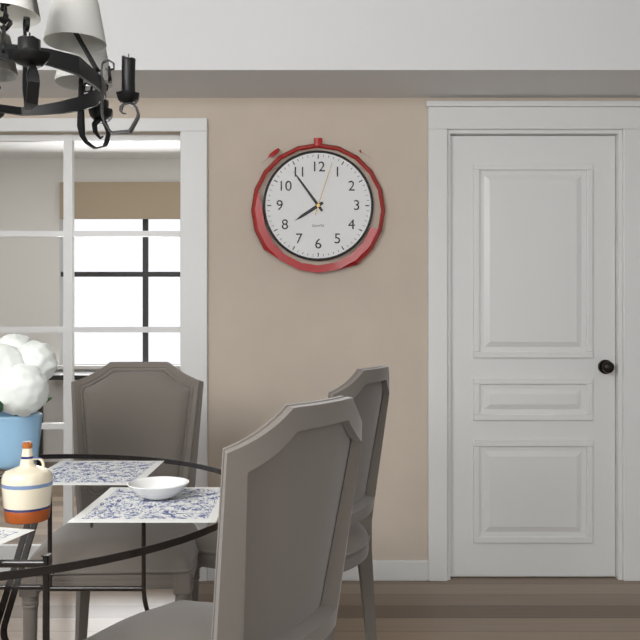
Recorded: h=7 m=54 s=3
